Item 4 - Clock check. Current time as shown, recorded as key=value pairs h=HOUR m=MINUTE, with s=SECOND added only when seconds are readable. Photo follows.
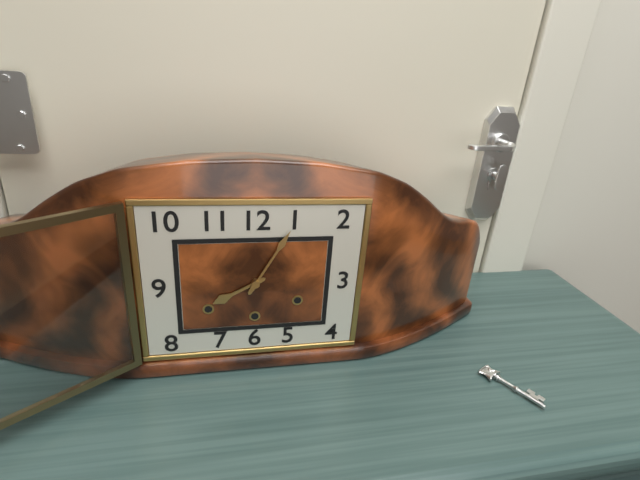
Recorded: h=8 m=5
